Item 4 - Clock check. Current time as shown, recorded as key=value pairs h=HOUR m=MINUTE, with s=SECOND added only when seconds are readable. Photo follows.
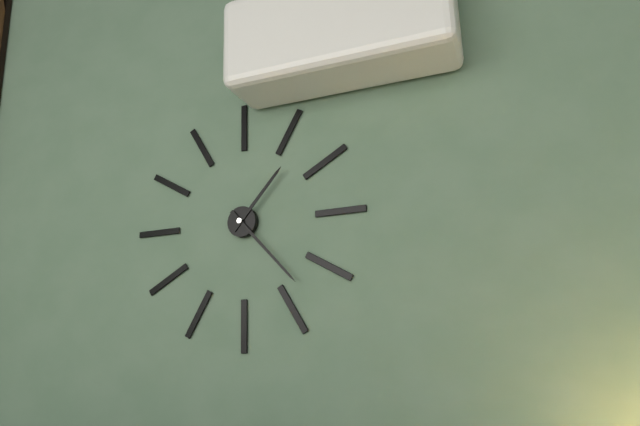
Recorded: h=1 m=23
